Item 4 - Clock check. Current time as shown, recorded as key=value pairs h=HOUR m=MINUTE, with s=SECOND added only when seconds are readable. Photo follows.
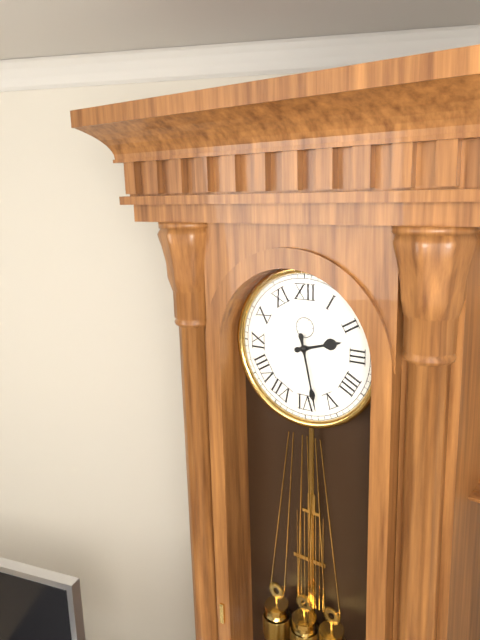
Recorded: h=2 m=28
